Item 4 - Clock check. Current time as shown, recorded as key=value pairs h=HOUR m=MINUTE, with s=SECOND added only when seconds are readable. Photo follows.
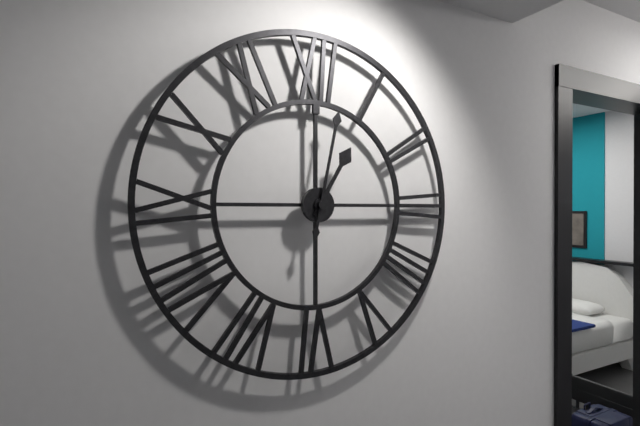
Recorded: h=1 m=2
